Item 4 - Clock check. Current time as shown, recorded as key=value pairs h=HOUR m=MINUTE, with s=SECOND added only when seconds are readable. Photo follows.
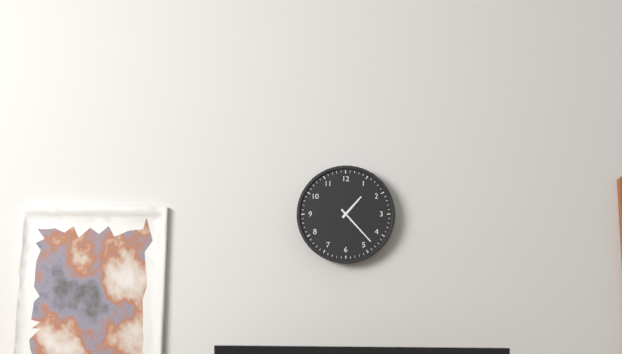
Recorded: h=1 m=23
